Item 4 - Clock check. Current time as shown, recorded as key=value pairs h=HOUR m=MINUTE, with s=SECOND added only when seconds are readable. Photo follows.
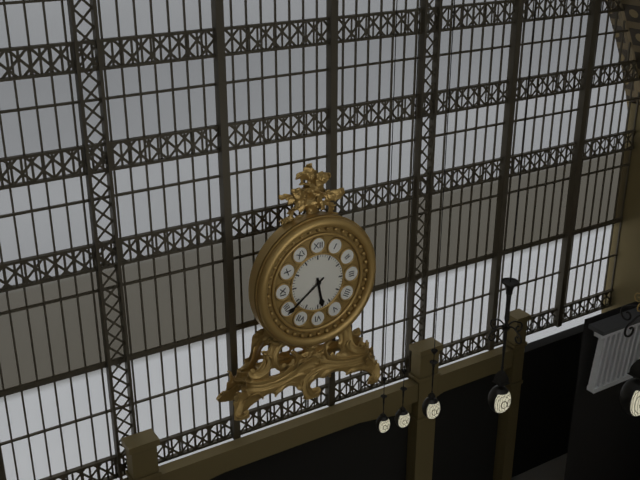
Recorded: h=5 m=39
